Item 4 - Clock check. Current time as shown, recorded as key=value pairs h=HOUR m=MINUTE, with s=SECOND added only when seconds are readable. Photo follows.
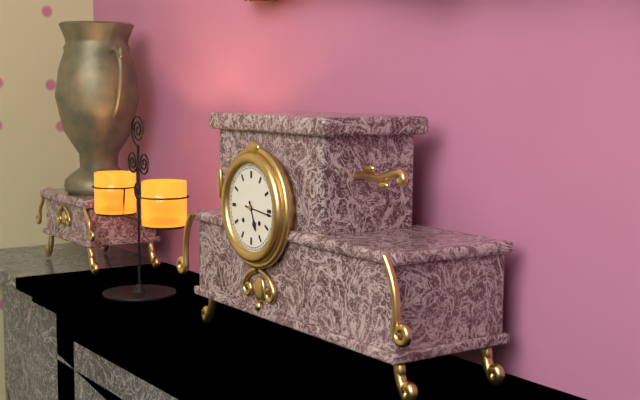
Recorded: h=5 m=16
